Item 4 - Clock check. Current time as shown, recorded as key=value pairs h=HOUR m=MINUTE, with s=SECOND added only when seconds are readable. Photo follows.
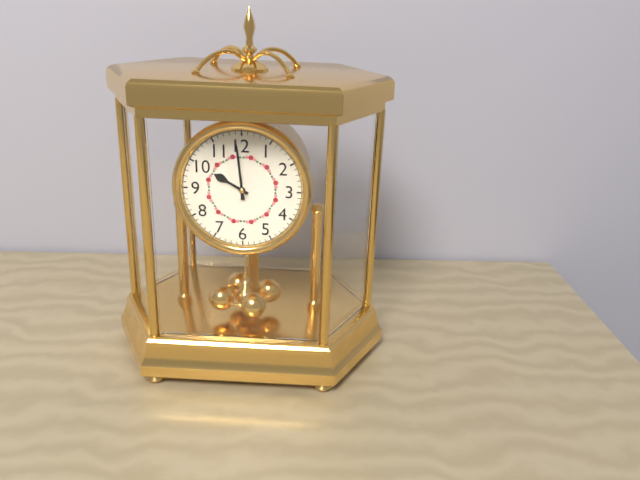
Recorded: h=9 m=59
